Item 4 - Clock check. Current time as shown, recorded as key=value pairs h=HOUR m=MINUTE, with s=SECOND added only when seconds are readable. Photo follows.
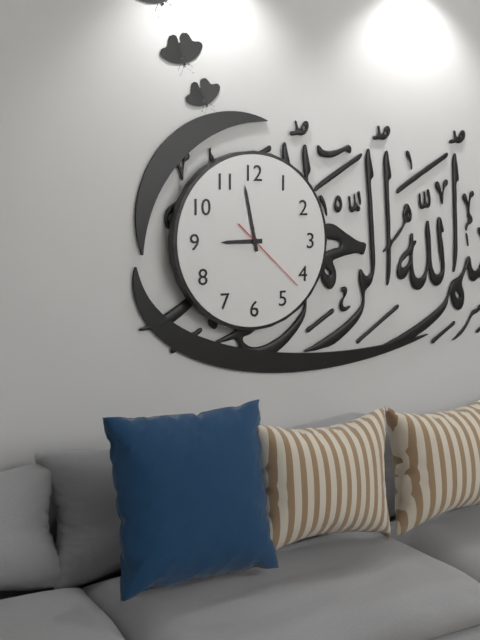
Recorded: h=8 m=58 s=22
